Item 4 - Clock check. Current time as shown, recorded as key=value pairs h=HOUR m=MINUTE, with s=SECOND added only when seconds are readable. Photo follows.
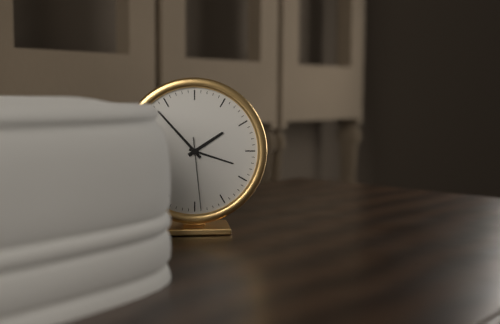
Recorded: h=1 m=53 s=29
